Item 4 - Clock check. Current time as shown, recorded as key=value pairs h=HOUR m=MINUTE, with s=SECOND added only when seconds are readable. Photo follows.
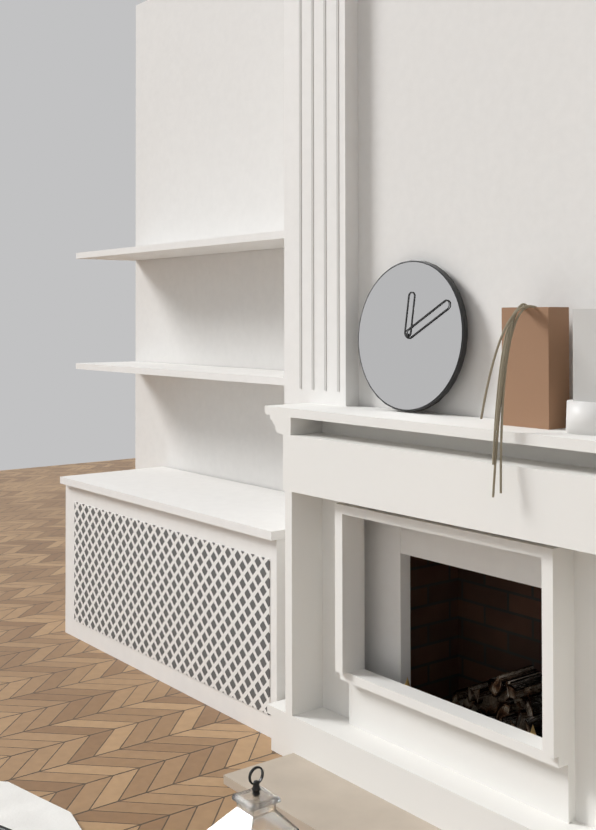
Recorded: h=12 m=10
